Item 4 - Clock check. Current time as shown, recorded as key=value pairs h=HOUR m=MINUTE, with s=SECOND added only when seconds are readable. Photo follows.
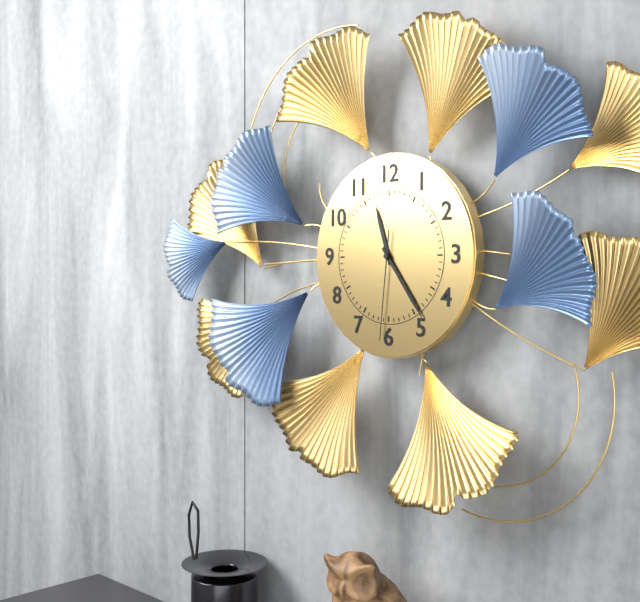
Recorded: h=11 m=24 s=31
